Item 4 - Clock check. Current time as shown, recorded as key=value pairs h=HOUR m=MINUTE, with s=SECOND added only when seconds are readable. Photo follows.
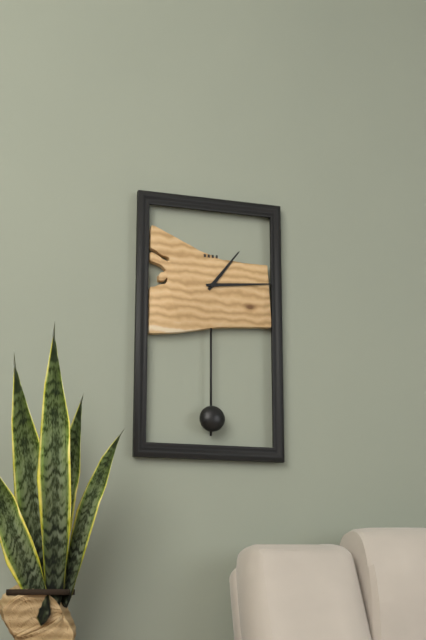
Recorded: h=1 m=14
